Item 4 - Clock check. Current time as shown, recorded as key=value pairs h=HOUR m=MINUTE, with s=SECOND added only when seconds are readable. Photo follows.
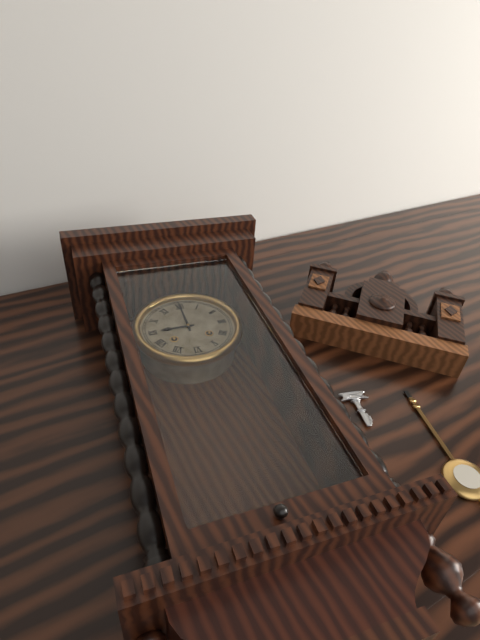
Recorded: h=9 m=0
